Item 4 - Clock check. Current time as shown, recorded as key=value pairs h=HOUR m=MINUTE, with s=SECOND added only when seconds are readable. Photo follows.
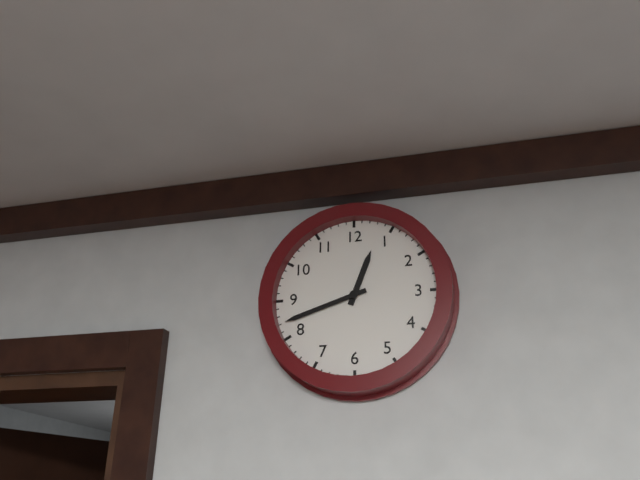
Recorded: h=12 m=42
